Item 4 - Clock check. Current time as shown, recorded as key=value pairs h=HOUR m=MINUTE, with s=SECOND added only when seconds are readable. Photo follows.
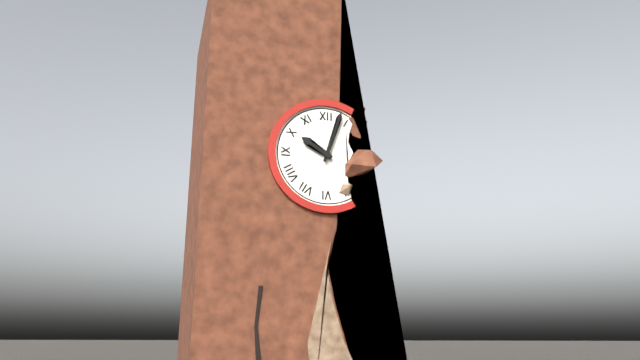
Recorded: h=10 m=3
